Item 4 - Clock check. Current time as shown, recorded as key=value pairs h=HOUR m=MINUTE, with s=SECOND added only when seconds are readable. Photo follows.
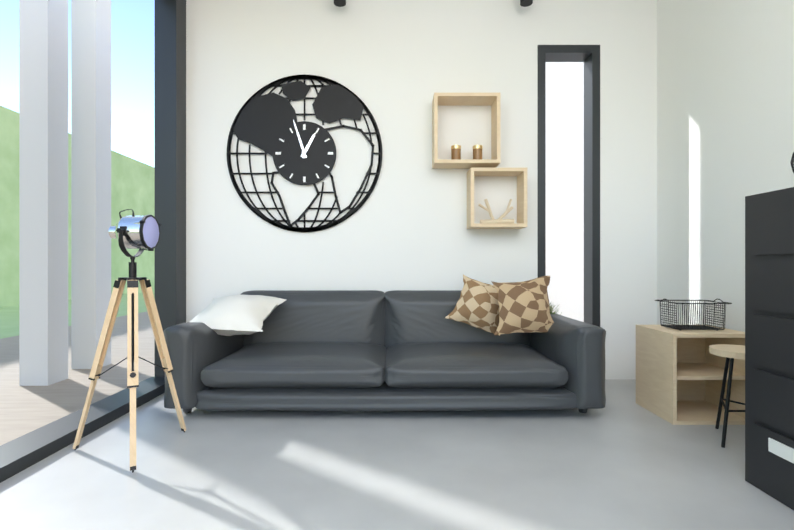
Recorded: h=12 m=57
